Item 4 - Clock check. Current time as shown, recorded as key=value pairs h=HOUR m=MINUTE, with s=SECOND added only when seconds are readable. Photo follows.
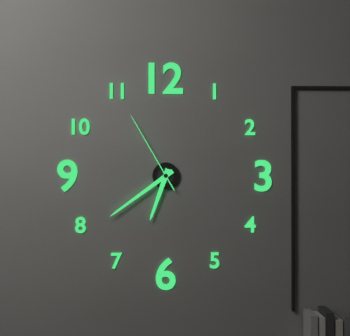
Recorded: h=6 m=39 s=55
